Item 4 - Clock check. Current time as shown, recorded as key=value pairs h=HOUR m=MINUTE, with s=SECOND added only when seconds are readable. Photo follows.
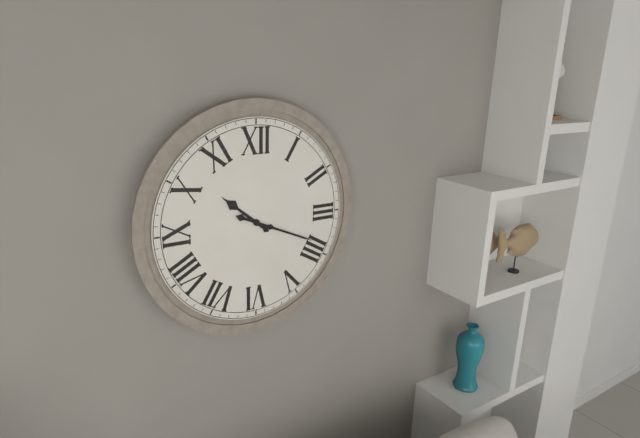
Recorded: h=10 m=19
